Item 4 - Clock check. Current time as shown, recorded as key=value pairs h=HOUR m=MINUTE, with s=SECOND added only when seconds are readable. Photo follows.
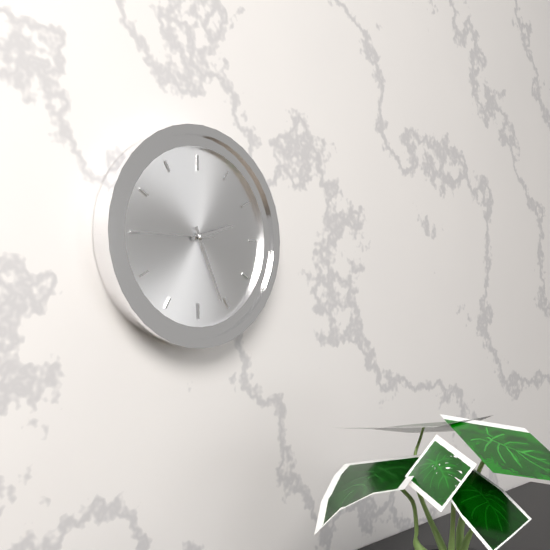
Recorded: h=2 m=26 s=45
